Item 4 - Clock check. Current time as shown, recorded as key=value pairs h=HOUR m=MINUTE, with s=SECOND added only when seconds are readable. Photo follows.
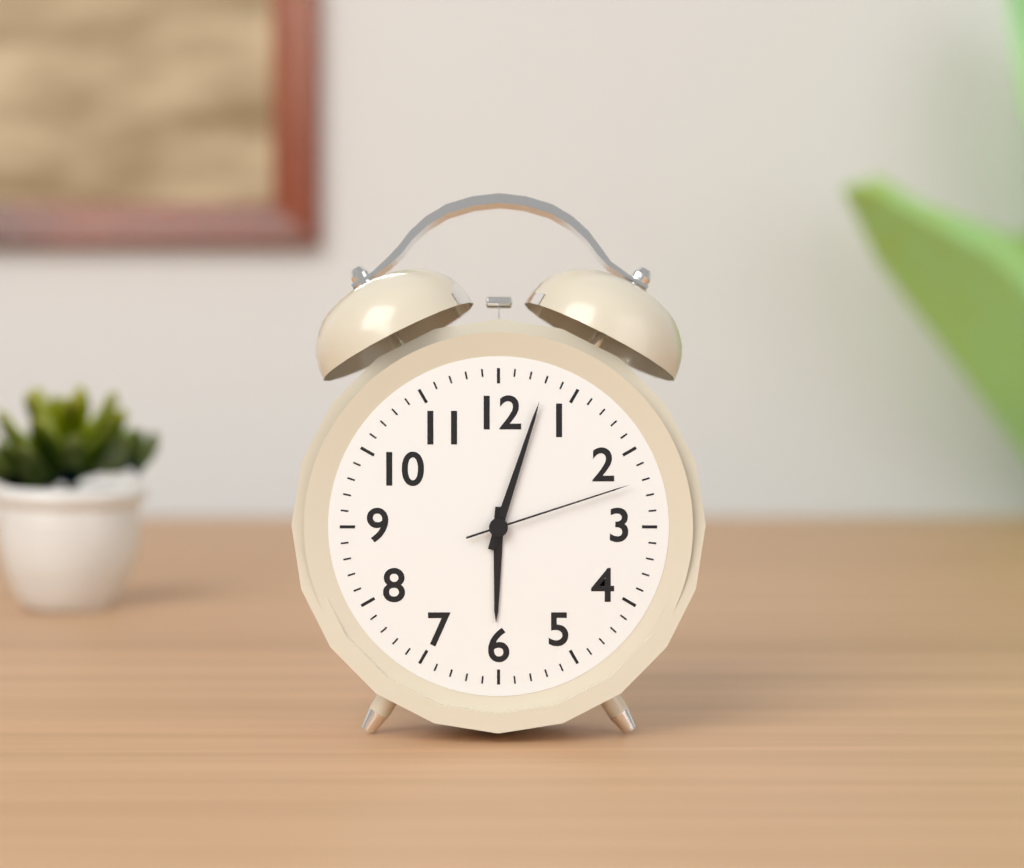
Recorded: h=6 m=3 s=12
